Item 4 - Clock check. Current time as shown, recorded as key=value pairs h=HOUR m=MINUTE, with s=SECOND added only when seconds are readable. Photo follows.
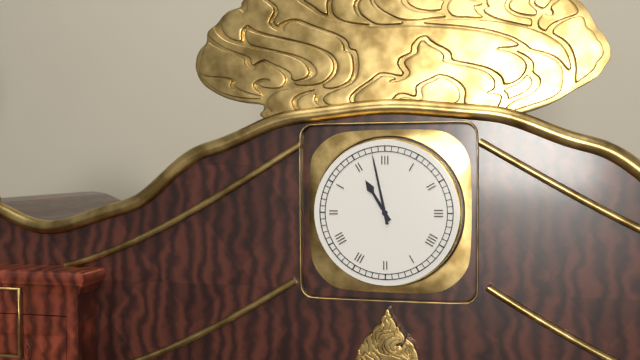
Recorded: h=10 m=58
